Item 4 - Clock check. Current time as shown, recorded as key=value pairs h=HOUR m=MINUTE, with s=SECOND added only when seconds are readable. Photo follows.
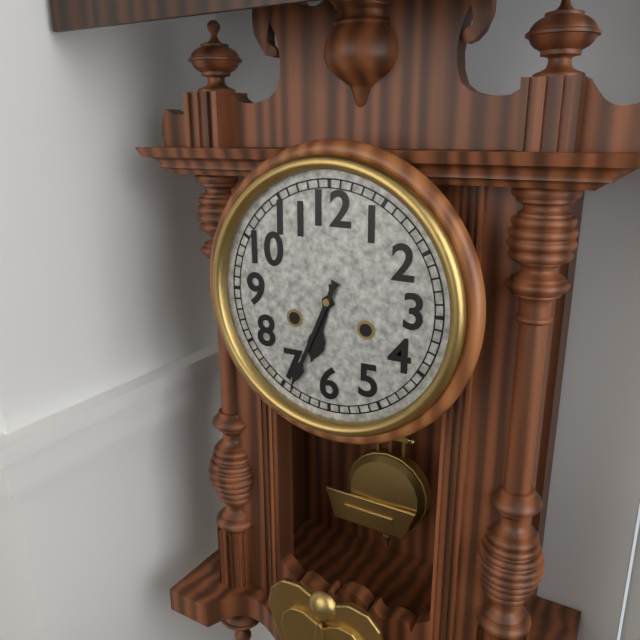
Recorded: h=6 m=34
